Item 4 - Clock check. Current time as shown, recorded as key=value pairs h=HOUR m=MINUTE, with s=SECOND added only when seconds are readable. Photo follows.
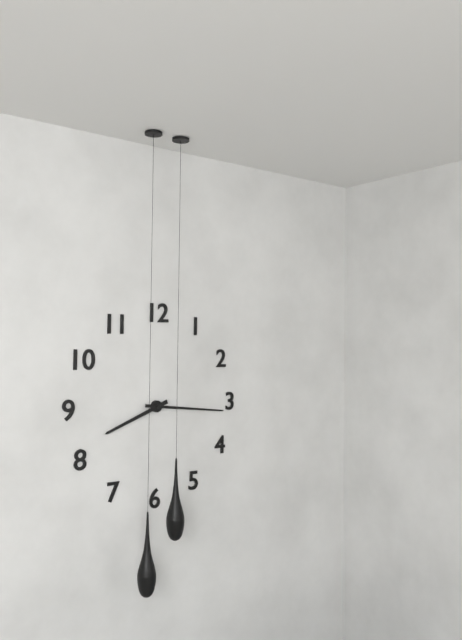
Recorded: h=8 m=16
